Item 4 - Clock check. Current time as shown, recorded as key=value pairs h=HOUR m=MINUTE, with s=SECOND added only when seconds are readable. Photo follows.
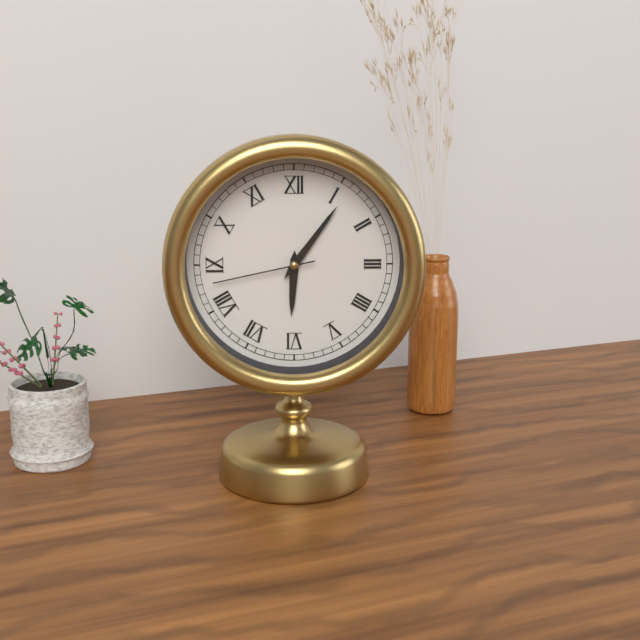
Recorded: h=6 m=6 s=43
